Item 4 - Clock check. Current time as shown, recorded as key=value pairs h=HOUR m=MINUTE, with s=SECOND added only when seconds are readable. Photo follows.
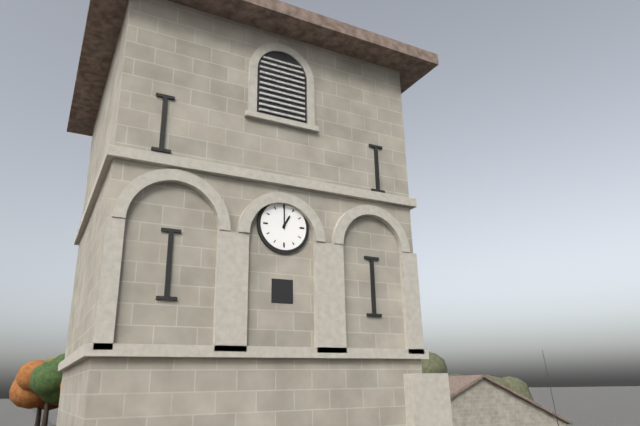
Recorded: h=1 m=0
